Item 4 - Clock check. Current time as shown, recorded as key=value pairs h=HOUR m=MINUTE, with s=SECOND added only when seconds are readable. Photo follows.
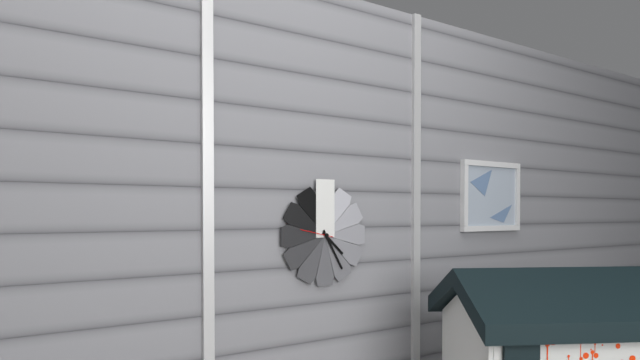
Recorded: h=4 m=25
